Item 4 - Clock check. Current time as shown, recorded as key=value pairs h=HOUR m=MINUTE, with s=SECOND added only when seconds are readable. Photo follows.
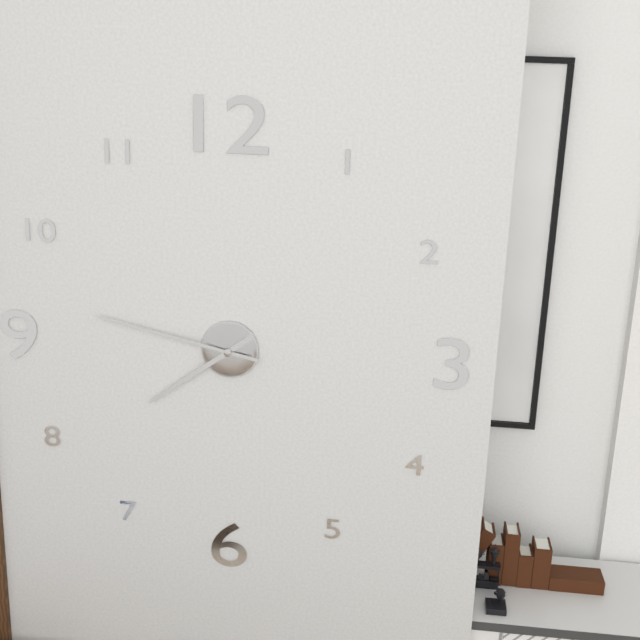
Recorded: h=7 m=47
